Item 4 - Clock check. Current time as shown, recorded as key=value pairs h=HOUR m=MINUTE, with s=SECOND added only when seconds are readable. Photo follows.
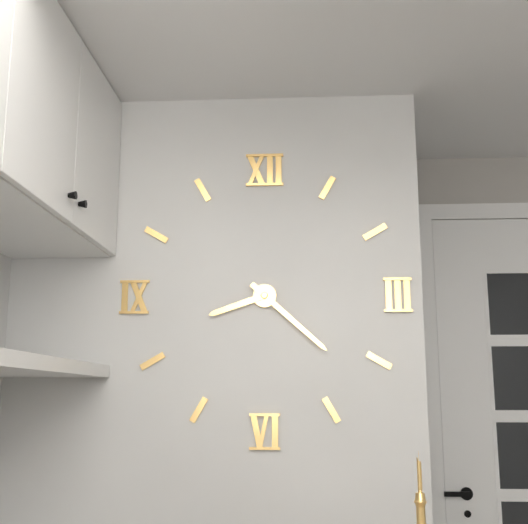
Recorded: h=8 m=22
